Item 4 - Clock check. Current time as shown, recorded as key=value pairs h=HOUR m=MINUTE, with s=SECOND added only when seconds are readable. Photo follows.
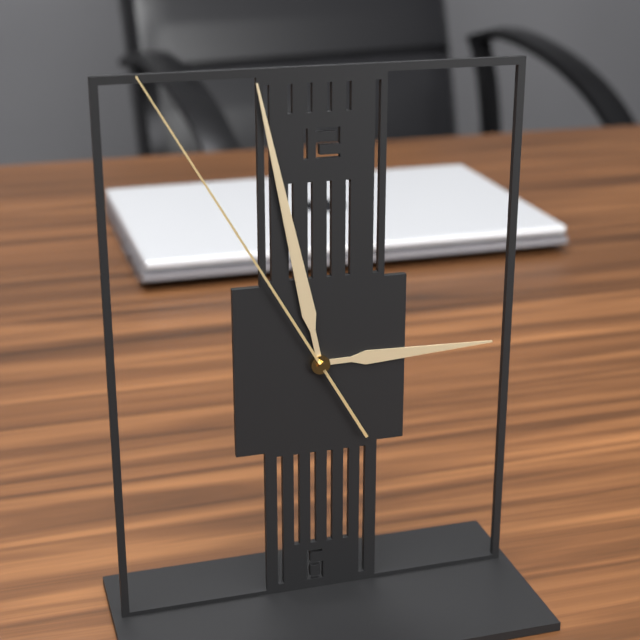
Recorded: h=2 m=58 s=55
